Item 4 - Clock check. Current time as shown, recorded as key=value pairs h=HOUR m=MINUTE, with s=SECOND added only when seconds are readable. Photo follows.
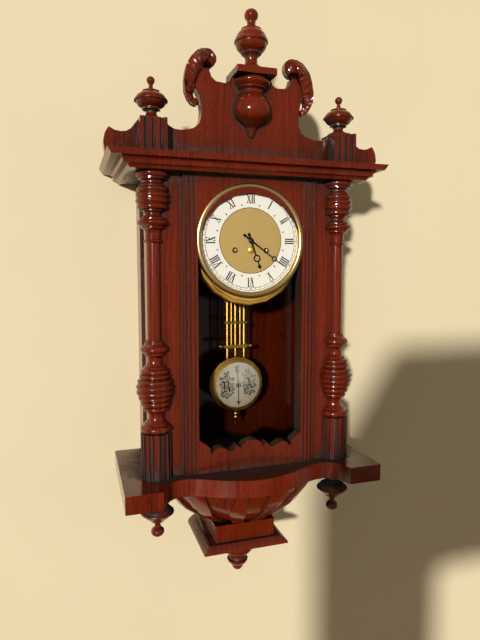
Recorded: h=5 m=21
